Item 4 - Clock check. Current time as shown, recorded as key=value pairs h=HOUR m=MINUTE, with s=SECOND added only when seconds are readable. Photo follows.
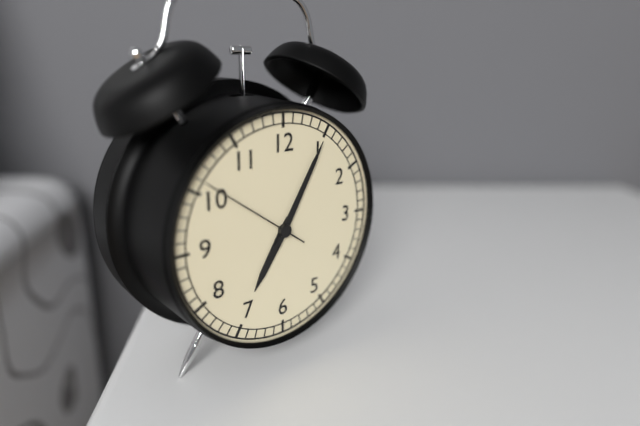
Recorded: h=7 m=5 s=51
